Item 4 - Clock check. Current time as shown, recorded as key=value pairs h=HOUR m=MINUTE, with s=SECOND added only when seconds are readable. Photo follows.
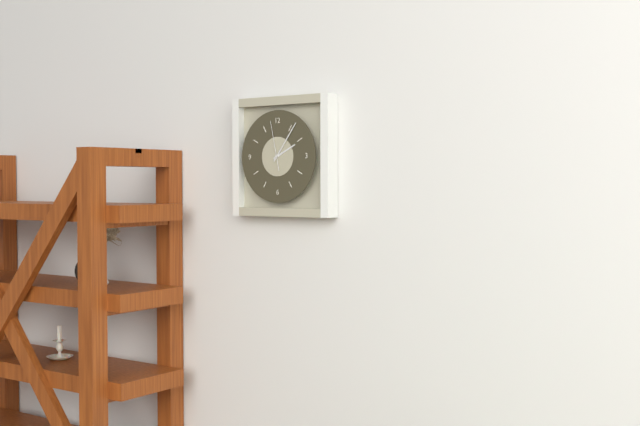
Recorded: h=2 m=6
